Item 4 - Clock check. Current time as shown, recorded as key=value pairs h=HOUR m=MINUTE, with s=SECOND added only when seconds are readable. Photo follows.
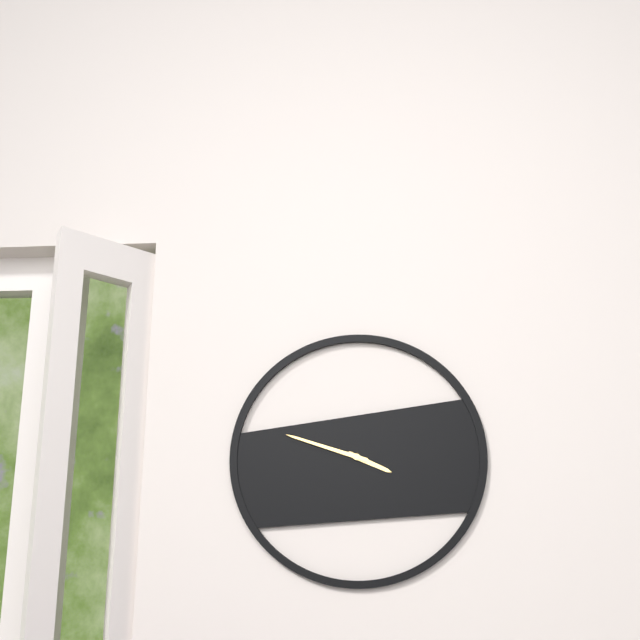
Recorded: h=3 m=48
